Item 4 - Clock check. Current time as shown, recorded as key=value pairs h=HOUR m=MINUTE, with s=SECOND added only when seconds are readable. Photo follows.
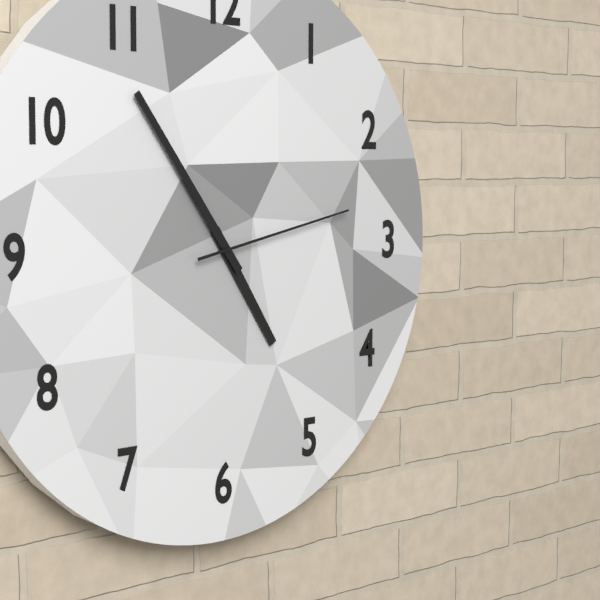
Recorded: h=4 m=54 s=13
